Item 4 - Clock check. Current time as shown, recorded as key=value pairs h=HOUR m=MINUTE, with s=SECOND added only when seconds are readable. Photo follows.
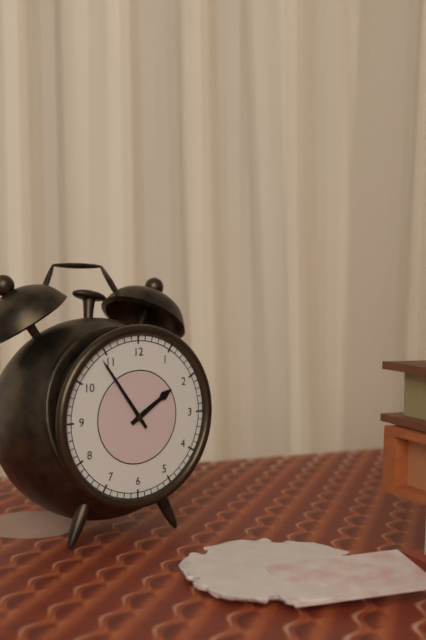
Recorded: h=1 m=54
